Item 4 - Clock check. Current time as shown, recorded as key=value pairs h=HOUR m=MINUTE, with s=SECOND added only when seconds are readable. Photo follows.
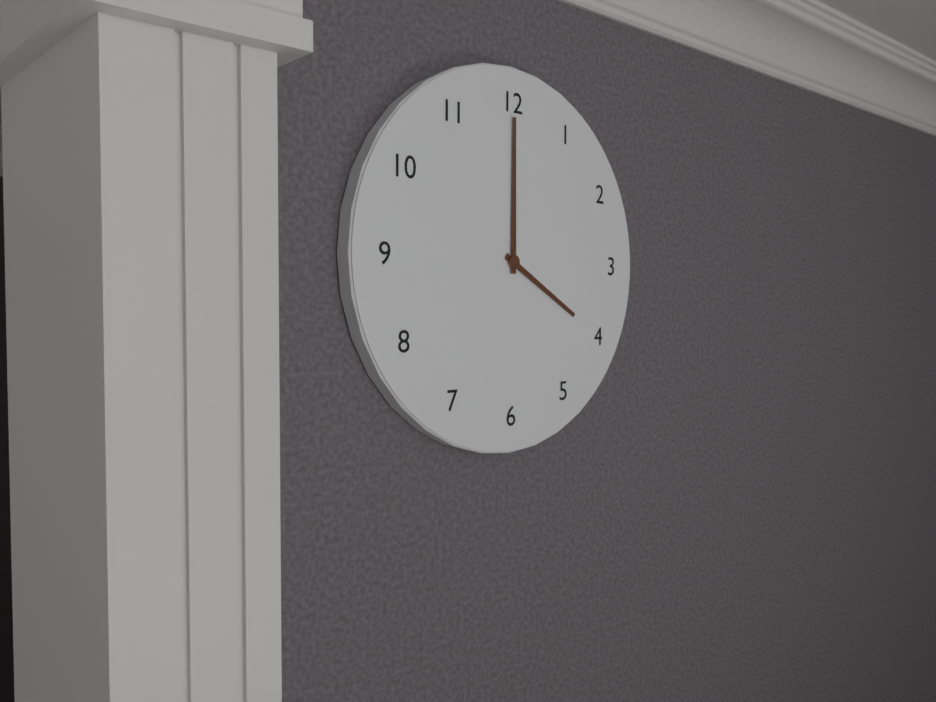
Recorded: h=4 m=0
